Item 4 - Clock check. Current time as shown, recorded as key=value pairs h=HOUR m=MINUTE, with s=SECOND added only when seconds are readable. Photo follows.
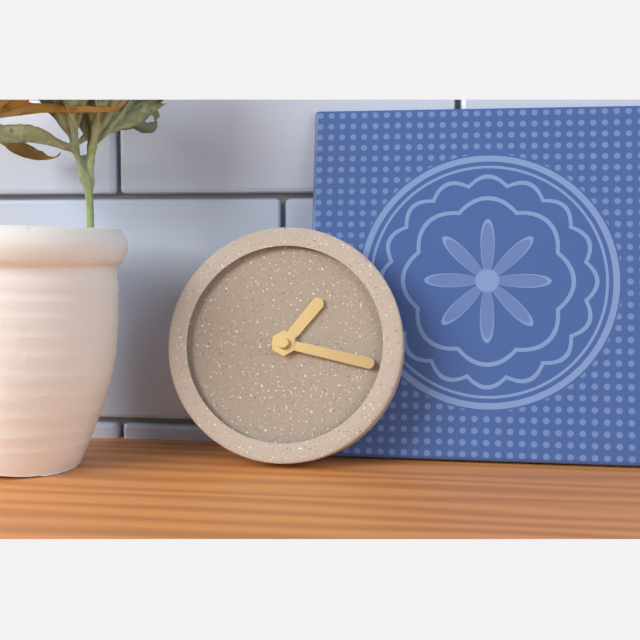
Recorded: h=1 m=17
